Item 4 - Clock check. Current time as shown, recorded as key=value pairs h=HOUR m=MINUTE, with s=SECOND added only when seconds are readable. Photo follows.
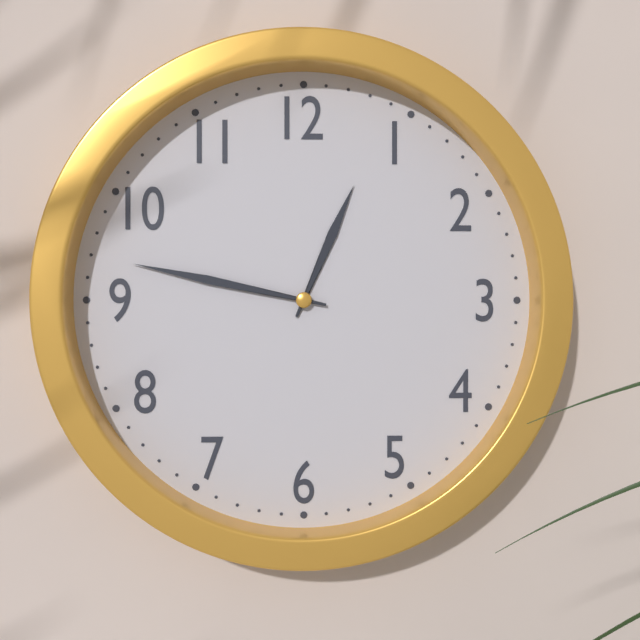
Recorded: h=12 m=47
